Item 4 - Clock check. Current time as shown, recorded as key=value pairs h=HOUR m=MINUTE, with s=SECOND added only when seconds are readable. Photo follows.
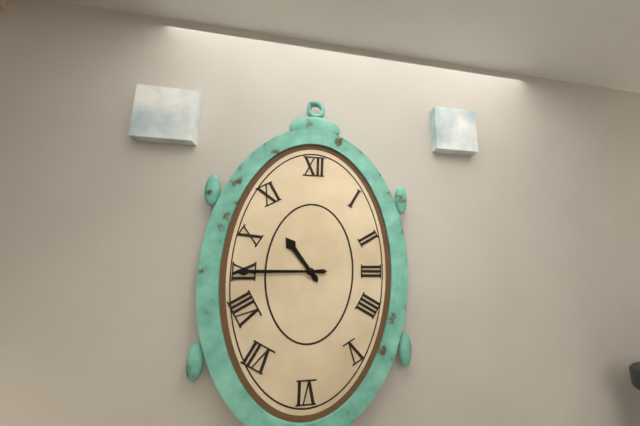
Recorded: h=10 m=45
